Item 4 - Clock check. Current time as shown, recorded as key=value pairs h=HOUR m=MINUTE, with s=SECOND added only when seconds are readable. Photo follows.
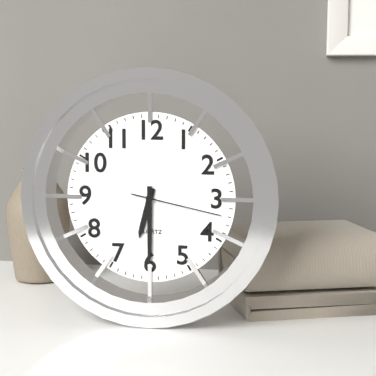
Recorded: h=6 m=30 s=17
